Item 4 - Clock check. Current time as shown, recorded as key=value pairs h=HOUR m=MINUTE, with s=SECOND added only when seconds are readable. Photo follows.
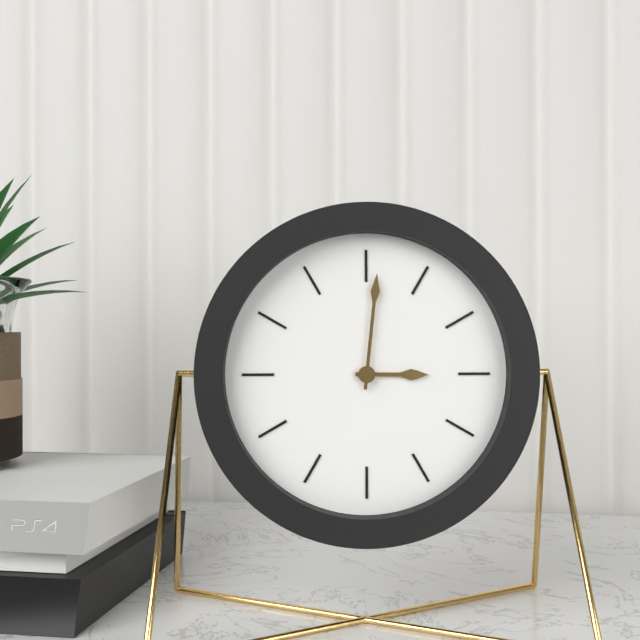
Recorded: h=3 m=1
